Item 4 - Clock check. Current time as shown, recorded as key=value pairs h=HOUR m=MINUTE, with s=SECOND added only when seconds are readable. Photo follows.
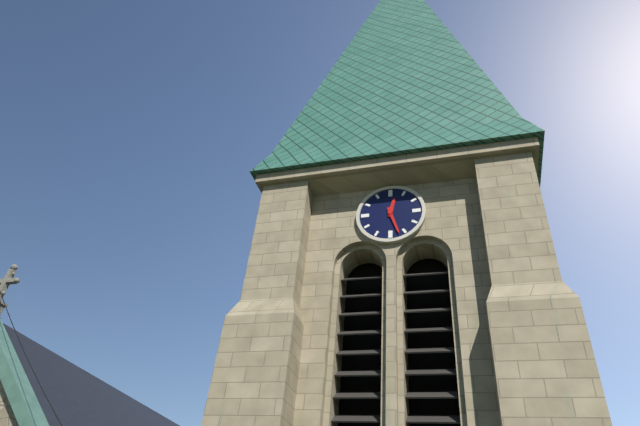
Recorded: h=12 m=27
